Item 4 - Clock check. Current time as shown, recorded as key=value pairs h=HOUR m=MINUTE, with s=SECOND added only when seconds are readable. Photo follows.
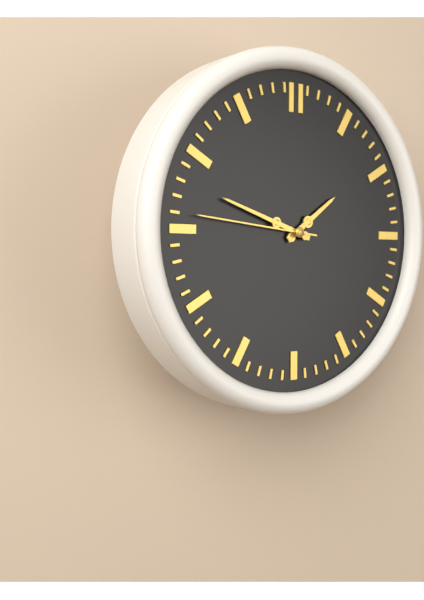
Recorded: h=1 m=48 s=46
